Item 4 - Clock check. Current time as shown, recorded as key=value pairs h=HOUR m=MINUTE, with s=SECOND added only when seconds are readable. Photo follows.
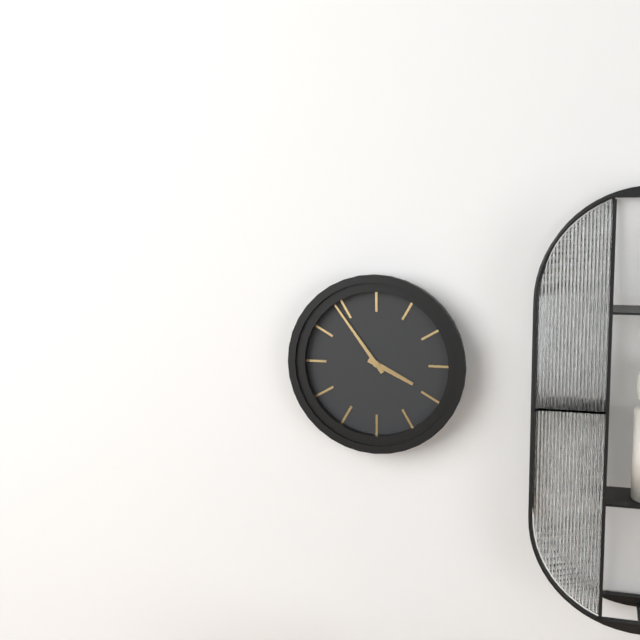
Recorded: h=3 m=54
